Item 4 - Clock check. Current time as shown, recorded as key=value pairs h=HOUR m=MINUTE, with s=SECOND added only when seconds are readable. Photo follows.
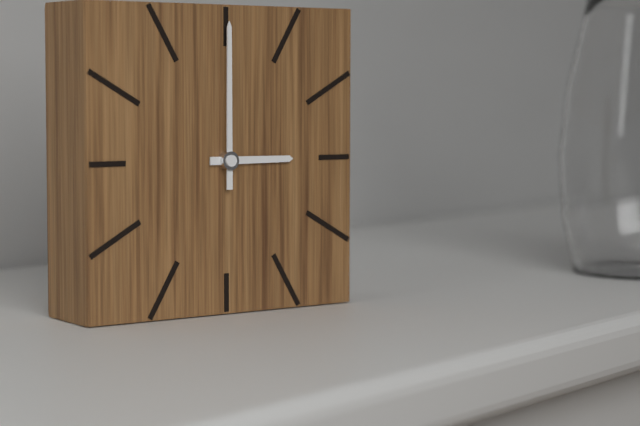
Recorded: h=3 m=0
